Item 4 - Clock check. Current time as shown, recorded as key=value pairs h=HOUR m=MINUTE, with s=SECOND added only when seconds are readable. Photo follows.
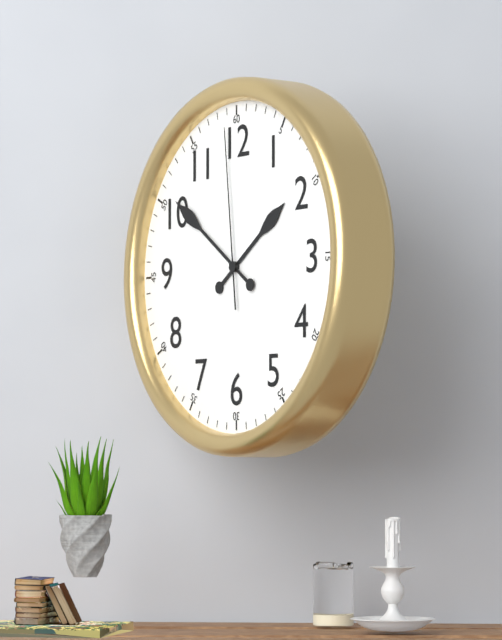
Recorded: h=1 m=51 s=59
